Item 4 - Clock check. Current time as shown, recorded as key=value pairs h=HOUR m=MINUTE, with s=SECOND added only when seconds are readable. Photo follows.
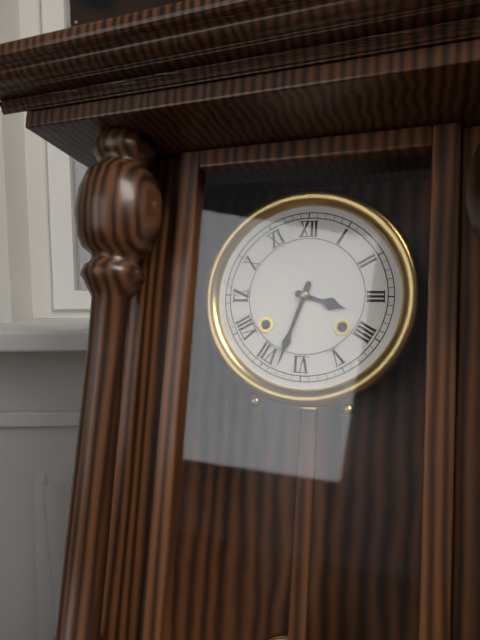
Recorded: h=3 m=33
